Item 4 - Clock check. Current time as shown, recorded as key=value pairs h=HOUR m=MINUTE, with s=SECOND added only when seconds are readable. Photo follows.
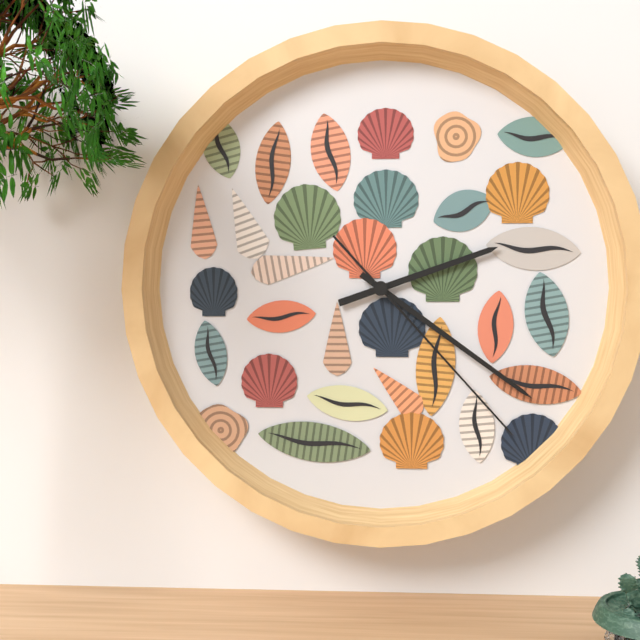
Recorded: h=2 m=21 s=23
